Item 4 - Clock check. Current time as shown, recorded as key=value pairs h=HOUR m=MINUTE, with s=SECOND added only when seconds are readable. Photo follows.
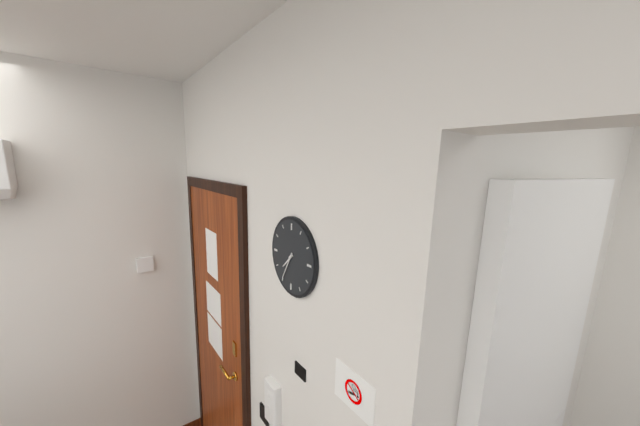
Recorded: h=7 m=35
